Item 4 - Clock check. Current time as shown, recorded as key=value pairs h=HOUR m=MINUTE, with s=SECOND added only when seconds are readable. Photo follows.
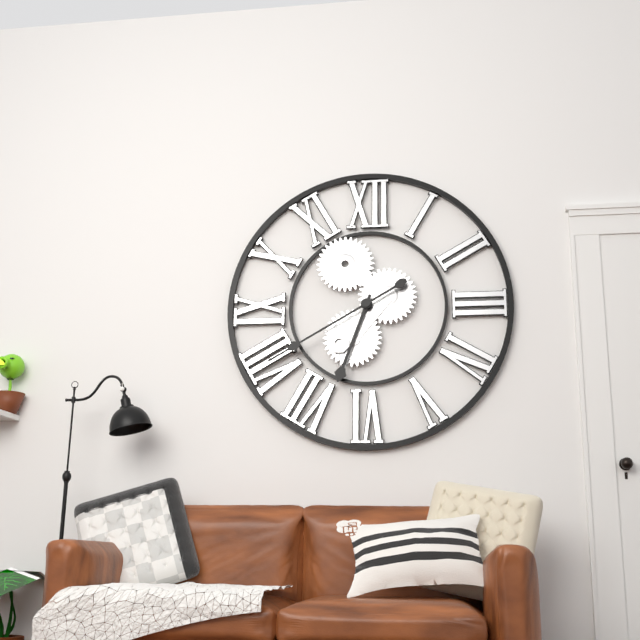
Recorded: h=6 m=40
